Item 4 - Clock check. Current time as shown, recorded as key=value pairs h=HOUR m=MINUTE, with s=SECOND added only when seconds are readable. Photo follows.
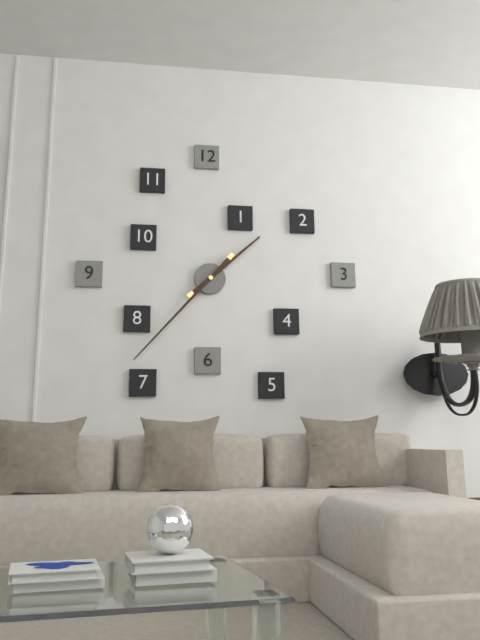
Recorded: h=1 m=37
